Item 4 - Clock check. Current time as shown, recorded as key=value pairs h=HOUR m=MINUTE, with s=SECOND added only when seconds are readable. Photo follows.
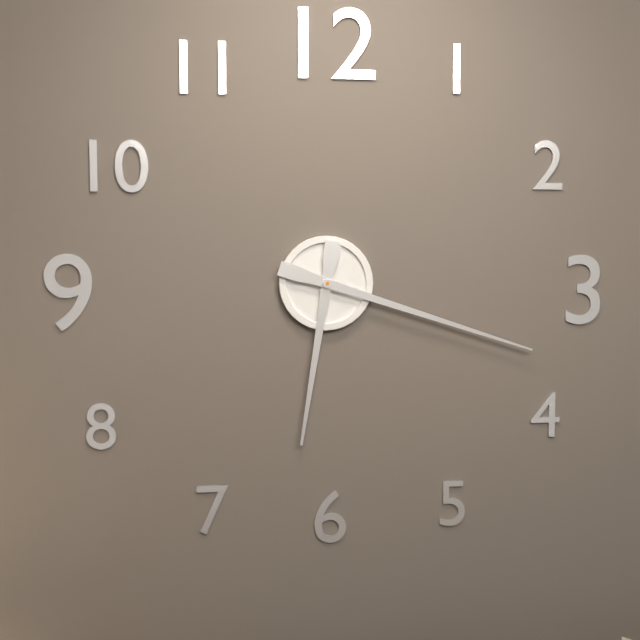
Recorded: h=6 m=18
